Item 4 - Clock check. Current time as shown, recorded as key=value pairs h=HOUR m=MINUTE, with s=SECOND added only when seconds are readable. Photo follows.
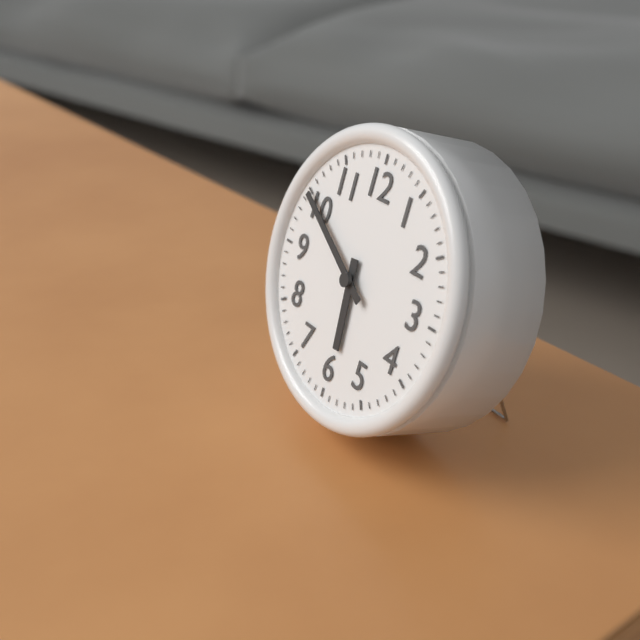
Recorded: h=5 m=50
